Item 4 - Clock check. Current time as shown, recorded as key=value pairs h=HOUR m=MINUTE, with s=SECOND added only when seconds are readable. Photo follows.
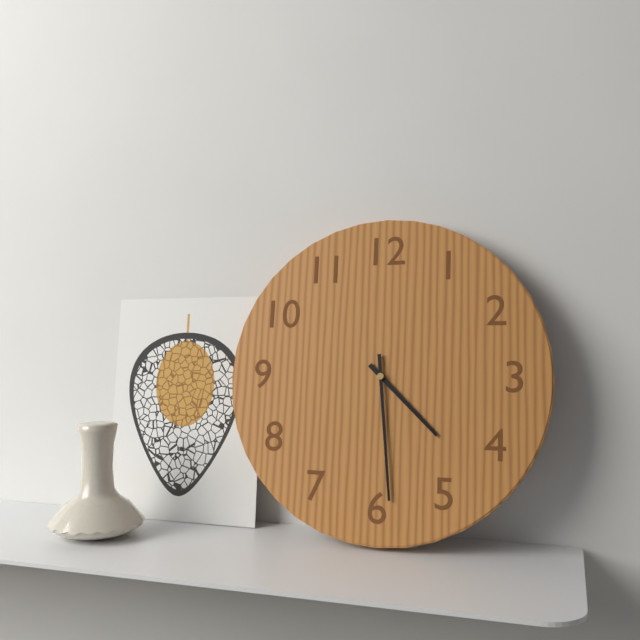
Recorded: h=4 m=29
